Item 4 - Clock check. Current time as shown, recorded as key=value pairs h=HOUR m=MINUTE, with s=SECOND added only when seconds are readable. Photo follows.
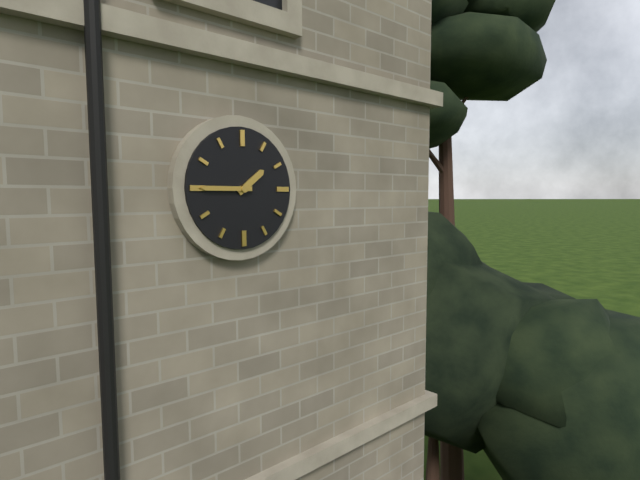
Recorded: h=1 m=45
